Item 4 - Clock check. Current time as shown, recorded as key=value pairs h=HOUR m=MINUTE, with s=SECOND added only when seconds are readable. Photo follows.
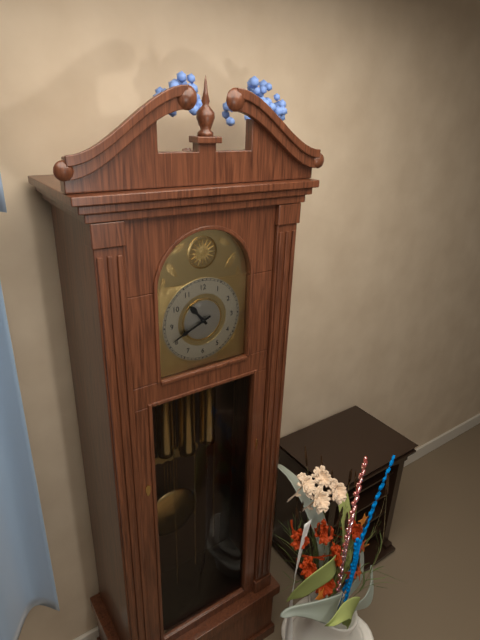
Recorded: h=10 m=41
